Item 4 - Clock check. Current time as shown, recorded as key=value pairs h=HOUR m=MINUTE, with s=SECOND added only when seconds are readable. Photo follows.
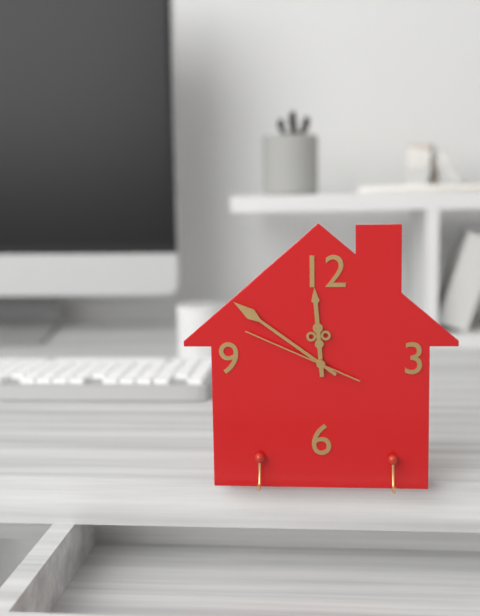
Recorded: h=11 m=51 s=49
